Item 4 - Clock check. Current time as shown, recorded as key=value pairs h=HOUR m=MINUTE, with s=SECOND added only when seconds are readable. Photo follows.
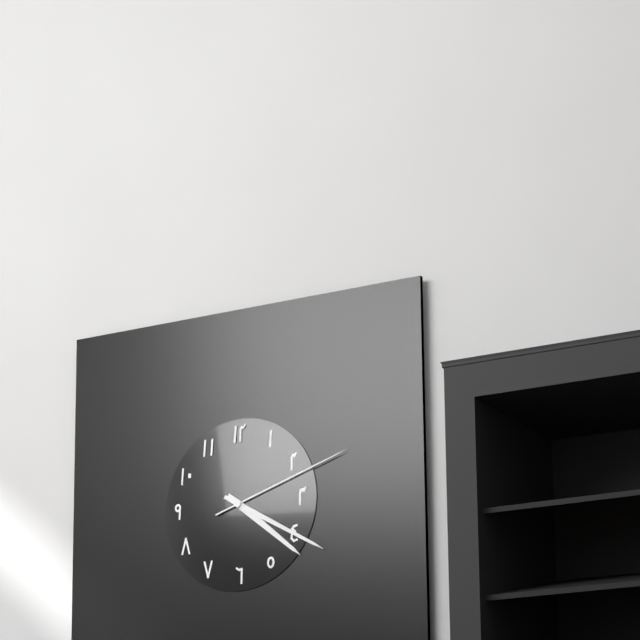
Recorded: h=4 m=20 s=12
